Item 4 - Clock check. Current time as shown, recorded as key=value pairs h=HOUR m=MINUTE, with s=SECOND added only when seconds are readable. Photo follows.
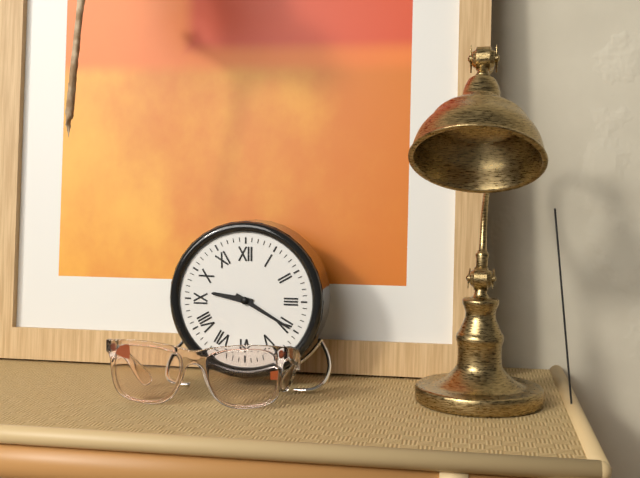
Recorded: h=9 m=20
